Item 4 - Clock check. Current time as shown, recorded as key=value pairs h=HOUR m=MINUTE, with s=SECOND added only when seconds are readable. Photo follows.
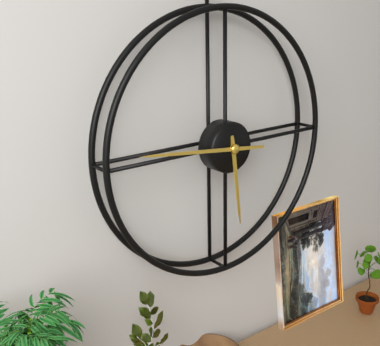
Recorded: h=5 m=46
